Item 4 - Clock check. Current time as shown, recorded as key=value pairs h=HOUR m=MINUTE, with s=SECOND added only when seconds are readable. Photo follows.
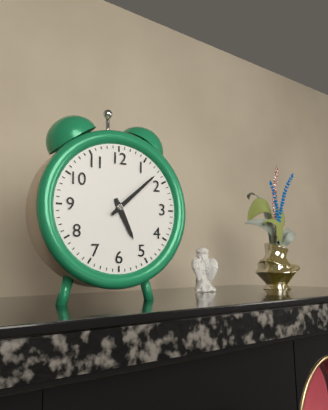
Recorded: h=5 m=8
